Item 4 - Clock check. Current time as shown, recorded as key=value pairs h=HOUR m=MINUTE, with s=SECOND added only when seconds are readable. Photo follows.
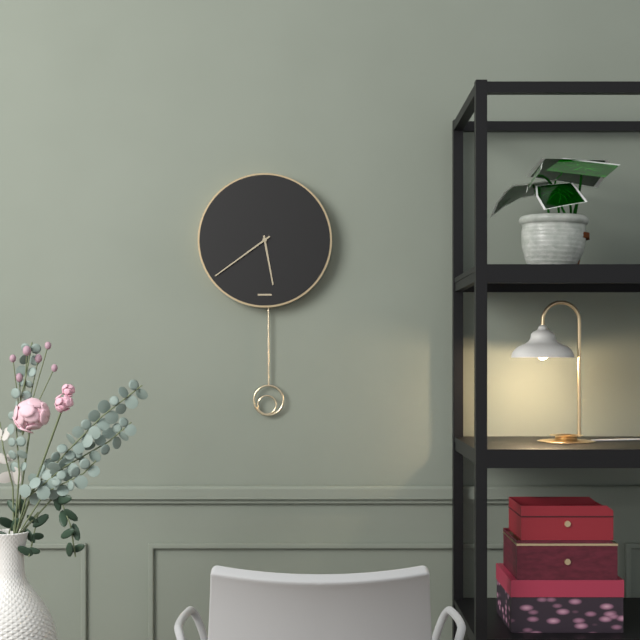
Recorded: h=5 m=39
